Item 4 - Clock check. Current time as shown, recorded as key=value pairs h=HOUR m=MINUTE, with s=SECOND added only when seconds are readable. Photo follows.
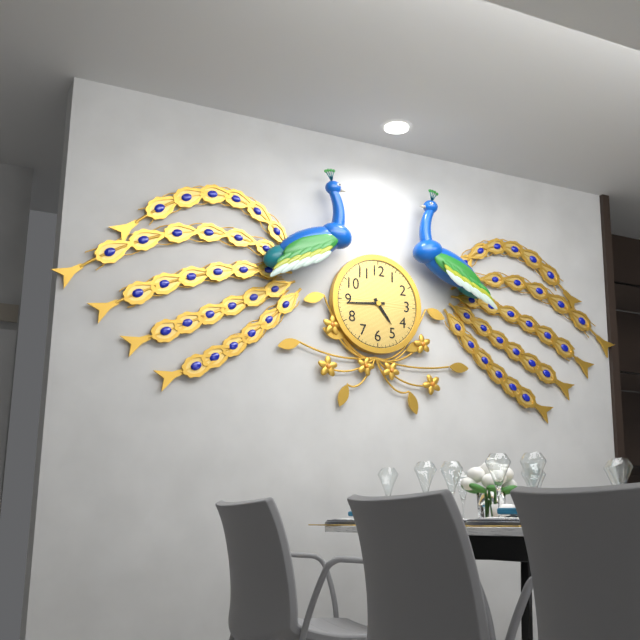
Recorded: h=4 m=44
